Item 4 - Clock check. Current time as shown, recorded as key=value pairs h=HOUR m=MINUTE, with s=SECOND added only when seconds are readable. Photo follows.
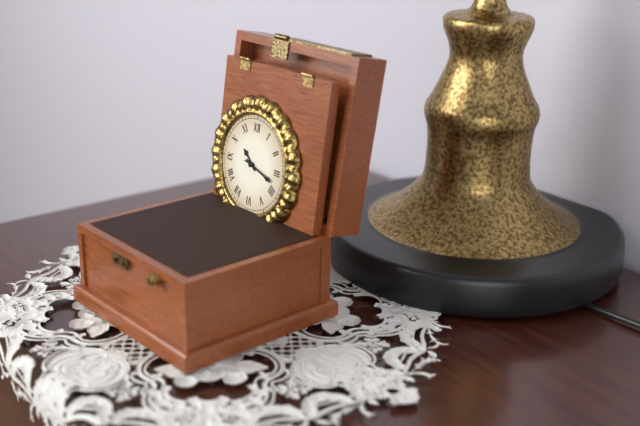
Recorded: h=10 m=18
